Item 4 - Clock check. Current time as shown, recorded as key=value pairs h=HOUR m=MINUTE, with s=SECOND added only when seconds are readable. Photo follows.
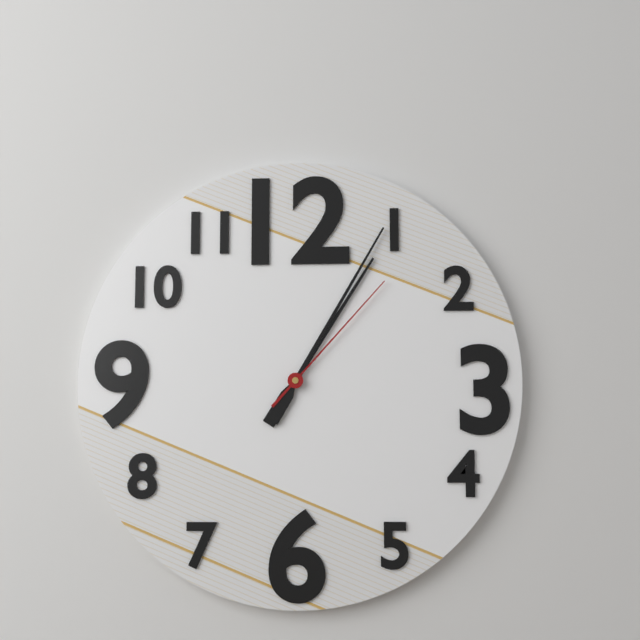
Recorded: h=1 m=5 s=7
